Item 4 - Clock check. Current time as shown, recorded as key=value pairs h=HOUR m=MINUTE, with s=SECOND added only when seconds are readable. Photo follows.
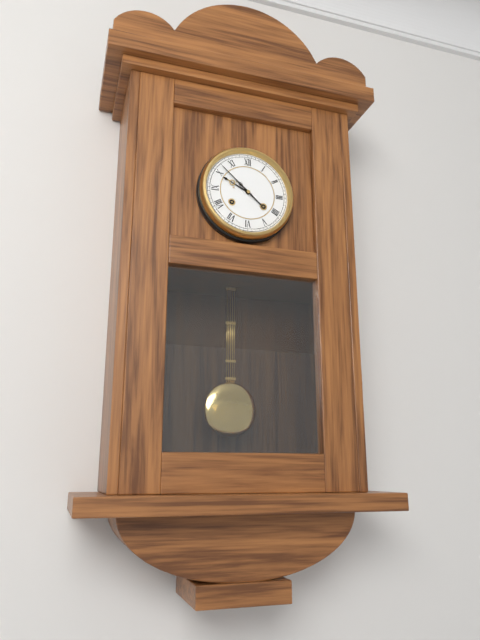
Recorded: h=9 m=52
